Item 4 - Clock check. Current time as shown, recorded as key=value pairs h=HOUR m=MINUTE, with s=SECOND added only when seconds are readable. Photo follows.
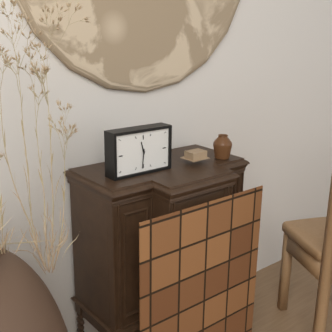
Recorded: h=11 m=31
